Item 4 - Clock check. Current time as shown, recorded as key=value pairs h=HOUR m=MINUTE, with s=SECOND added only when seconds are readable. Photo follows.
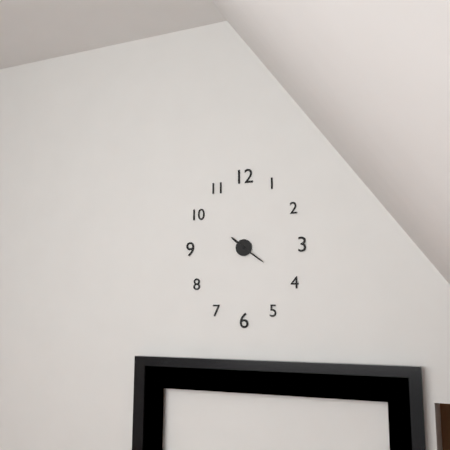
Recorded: h=10 m=21
